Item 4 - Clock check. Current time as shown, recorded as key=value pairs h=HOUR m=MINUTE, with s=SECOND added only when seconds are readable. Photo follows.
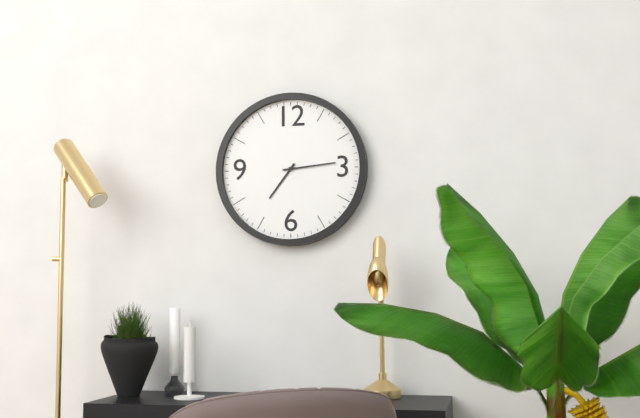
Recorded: h=7 m=14
